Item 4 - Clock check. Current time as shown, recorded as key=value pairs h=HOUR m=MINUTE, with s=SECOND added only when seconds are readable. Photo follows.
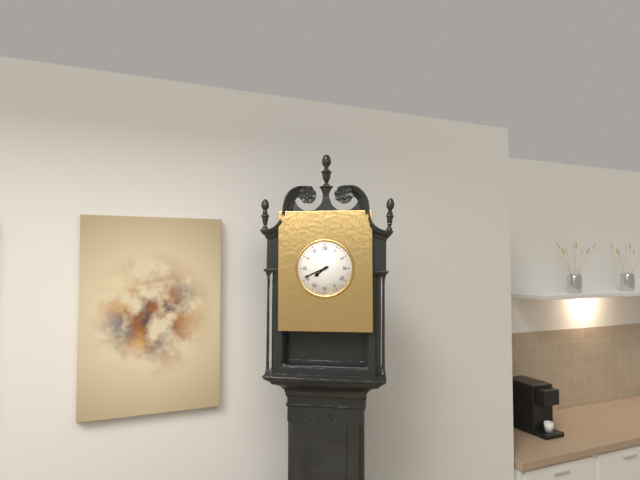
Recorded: h=7 m=41
